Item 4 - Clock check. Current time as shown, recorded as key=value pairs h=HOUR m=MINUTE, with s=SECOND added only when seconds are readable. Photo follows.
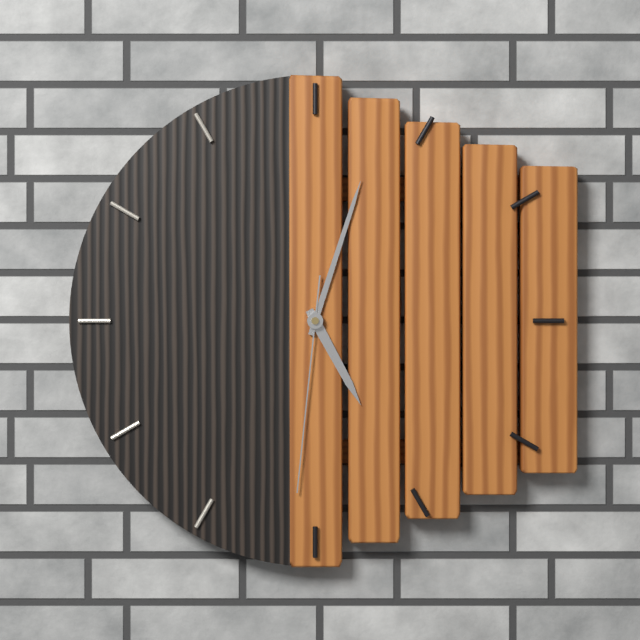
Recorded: h=5 m=3 s=31
